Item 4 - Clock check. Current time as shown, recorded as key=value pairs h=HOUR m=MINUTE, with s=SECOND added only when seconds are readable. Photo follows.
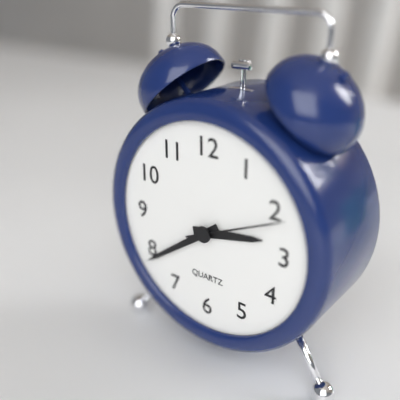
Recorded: h=2 m=39 s=11
